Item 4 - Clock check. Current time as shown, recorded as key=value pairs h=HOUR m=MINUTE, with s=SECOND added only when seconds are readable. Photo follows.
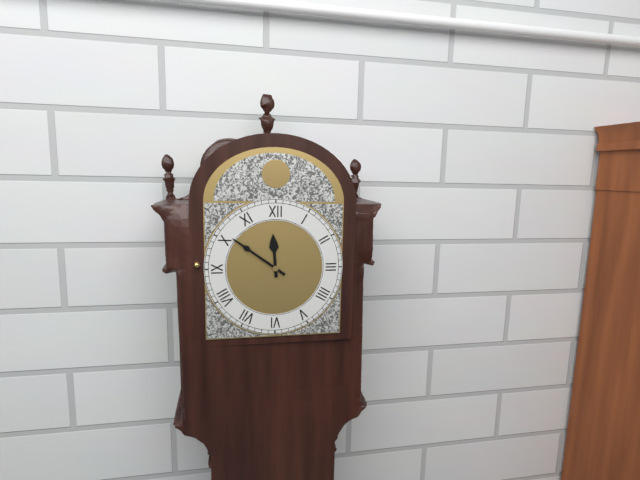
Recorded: h=11 m=51
